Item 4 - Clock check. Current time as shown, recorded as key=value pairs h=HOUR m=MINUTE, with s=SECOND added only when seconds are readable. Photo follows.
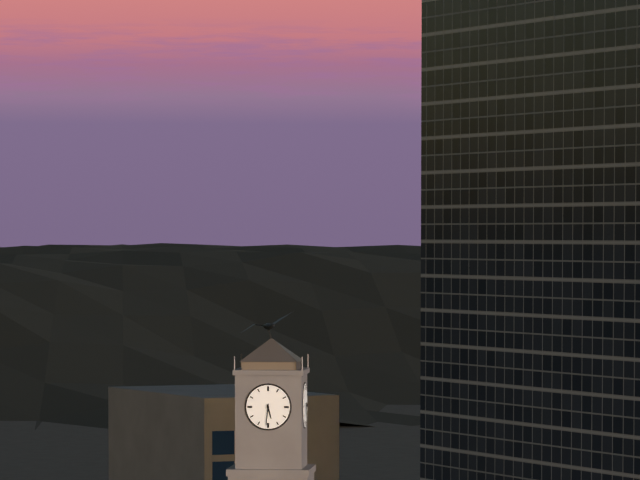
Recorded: h=5 m=31
